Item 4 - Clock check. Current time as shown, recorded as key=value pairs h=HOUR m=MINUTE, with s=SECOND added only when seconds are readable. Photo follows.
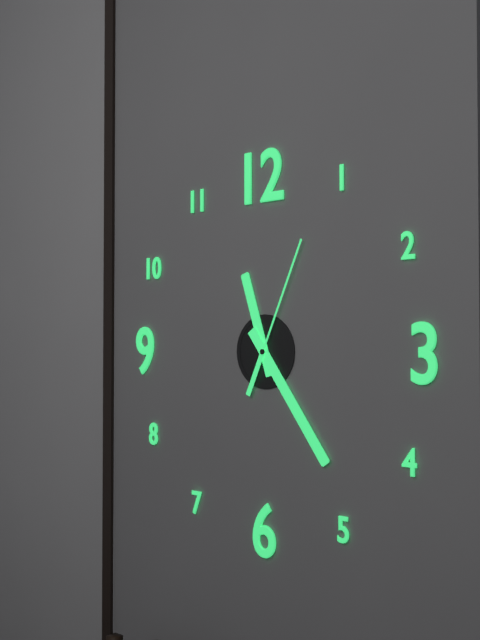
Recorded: h=11 m=24 s=4
